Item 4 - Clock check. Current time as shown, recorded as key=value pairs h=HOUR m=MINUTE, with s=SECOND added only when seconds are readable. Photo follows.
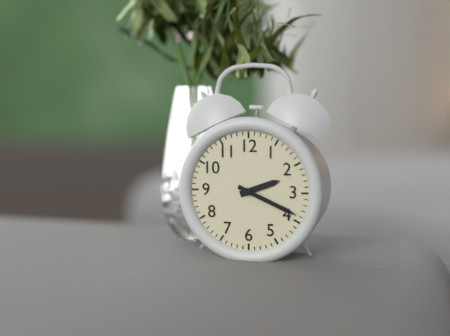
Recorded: h=2 m=19
